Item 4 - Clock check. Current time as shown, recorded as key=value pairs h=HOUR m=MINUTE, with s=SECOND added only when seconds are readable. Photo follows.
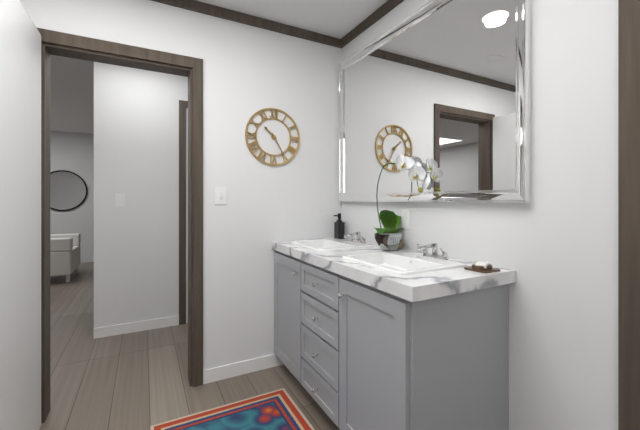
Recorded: h=10 m=25
